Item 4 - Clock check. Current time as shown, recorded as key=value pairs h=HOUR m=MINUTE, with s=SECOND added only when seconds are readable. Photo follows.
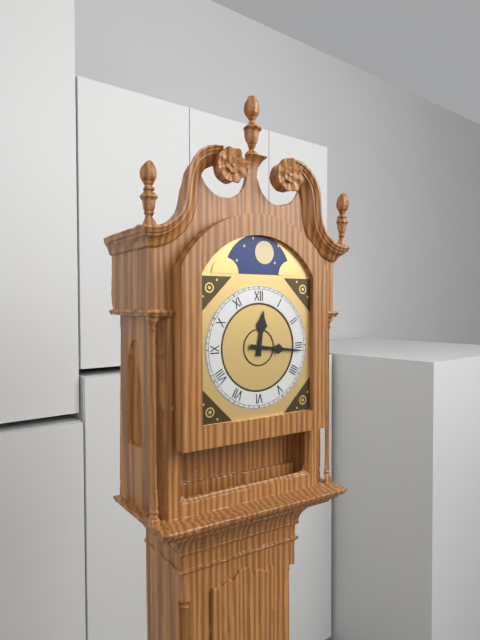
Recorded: h=12 m=16
